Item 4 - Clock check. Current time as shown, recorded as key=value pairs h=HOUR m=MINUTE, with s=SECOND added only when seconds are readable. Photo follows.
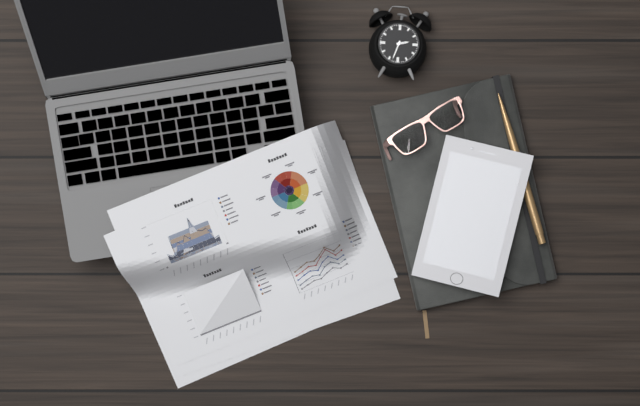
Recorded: h=2 m=33
